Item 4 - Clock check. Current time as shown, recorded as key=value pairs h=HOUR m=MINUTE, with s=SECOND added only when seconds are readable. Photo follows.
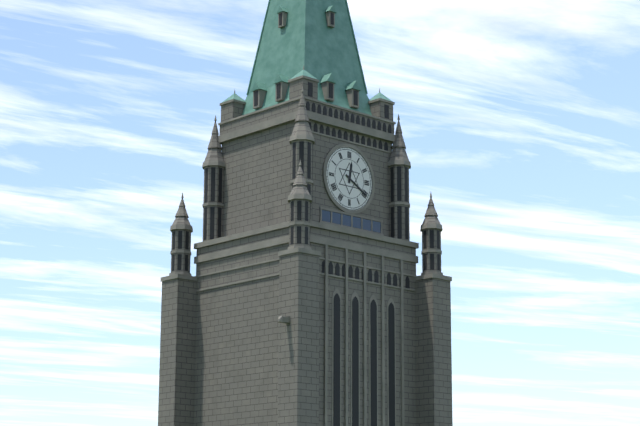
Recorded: h=12 m=20
